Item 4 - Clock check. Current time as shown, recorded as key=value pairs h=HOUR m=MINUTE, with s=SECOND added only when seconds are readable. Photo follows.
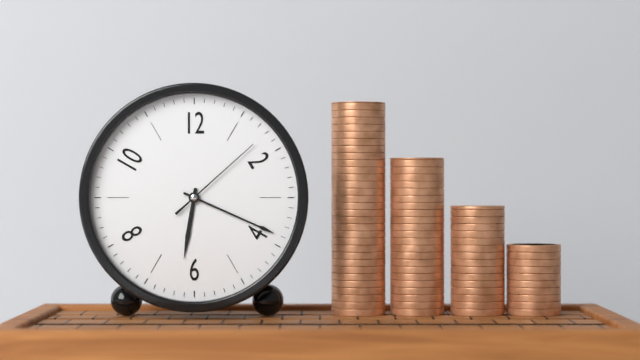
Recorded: h=6 m=19 s=8
